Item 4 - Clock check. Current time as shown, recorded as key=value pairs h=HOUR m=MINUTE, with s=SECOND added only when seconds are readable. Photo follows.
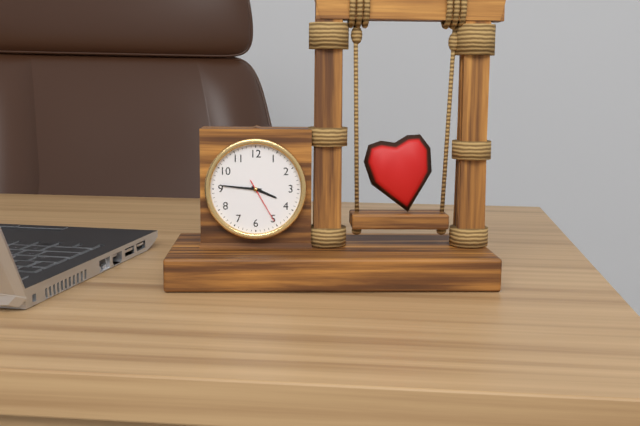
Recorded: h=3 m=46
